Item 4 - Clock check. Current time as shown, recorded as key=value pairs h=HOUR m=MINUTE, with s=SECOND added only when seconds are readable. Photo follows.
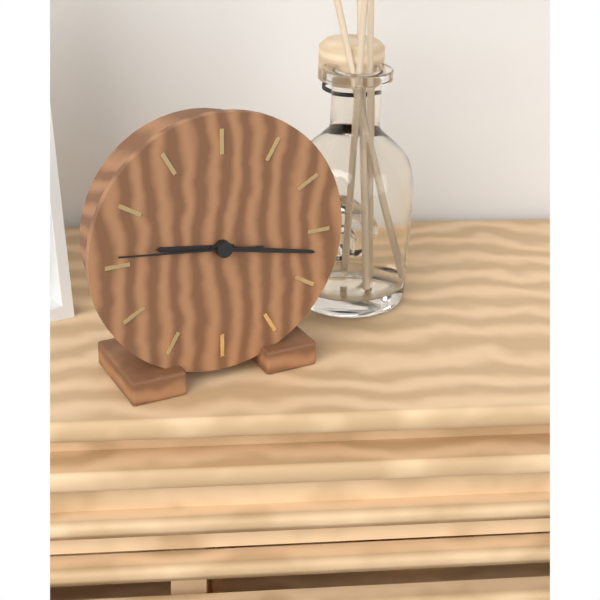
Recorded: h=9 m=17 s=46
